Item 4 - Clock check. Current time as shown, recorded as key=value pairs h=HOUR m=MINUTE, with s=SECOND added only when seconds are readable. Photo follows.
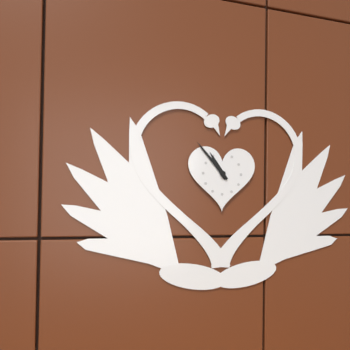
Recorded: h=10 m=53
